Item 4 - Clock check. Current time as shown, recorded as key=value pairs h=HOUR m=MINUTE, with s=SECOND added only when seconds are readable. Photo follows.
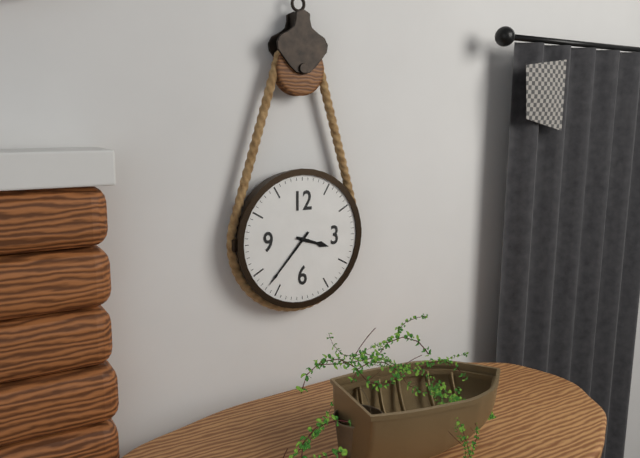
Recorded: h=3 m=37
